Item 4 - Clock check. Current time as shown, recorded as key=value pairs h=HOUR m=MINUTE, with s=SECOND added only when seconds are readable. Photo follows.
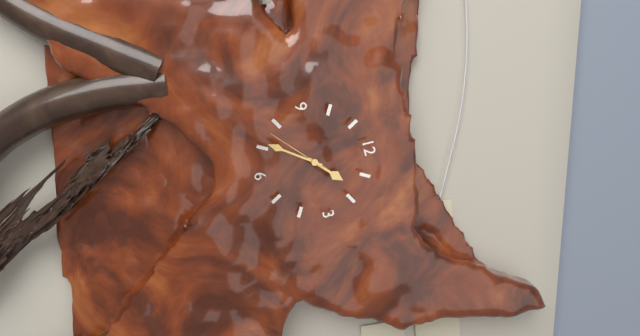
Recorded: h=1 m=36 s=38
